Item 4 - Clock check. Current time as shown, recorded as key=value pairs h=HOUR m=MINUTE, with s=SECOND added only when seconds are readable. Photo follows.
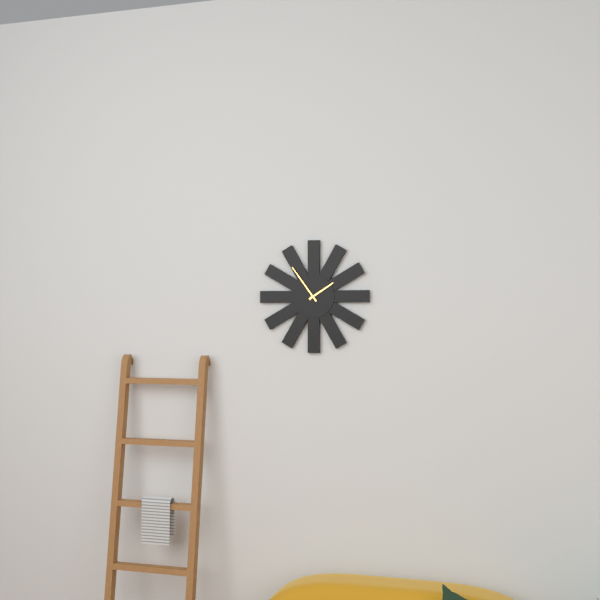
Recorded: h=1 m=54
